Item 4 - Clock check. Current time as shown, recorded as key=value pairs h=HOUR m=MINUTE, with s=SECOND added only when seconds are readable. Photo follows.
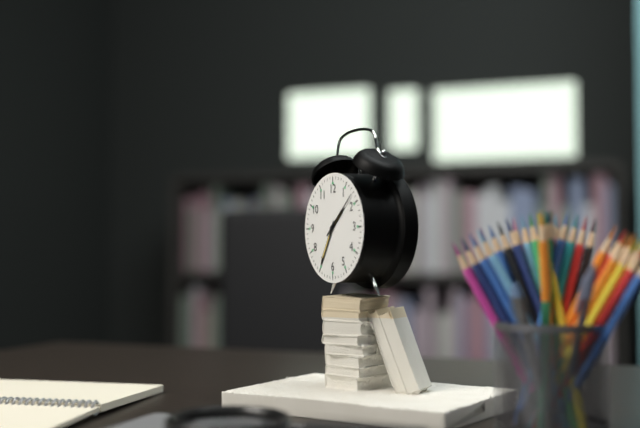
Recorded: h=1 m=35
